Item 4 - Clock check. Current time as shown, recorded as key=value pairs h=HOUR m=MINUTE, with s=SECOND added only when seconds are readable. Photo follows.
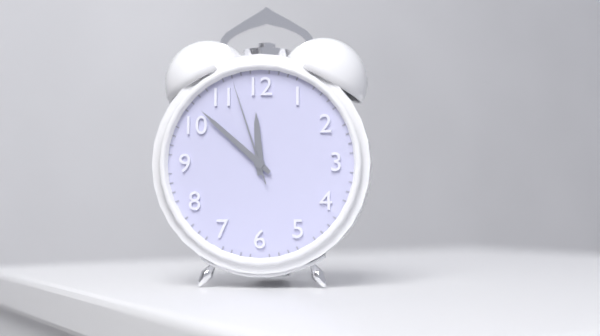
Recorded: h=11 m=52 s=57
